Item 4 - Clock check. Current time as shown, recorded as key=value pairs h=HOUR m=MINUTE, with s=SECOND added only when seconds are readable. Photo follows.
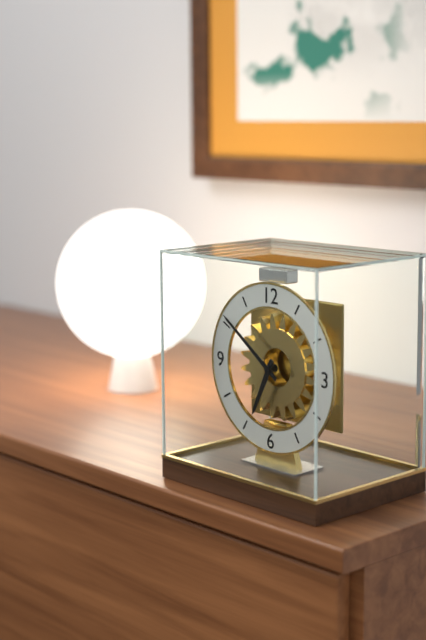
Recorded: h=6 m=51
